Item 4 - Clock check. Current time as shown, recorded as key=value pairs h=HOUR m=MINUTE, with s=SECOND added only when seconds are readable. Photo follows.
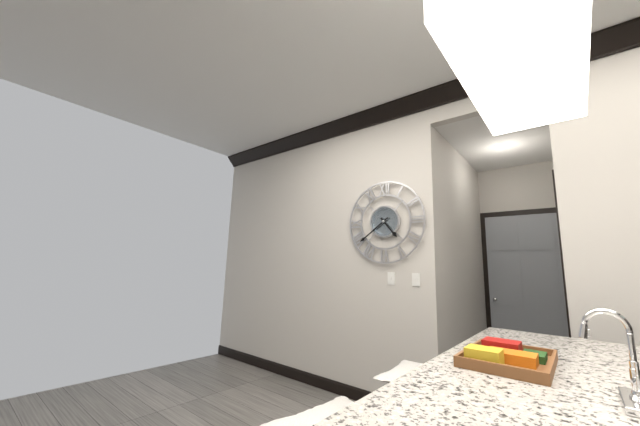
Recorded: h=4 m=39
